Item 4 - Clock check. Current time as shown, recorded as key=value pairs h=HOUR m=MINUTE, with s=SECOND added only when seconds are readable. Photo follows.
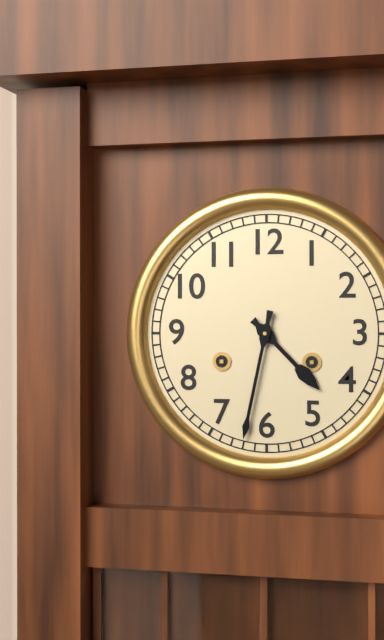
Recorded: h=4 m=32
